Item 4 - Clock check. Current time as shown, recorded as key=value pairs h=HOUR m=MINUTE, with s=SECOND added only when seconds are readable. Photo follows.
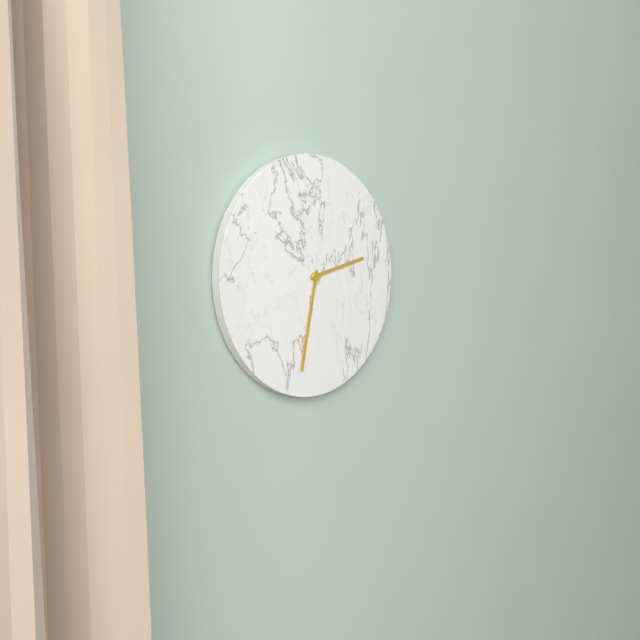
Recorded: h=2 m=32
